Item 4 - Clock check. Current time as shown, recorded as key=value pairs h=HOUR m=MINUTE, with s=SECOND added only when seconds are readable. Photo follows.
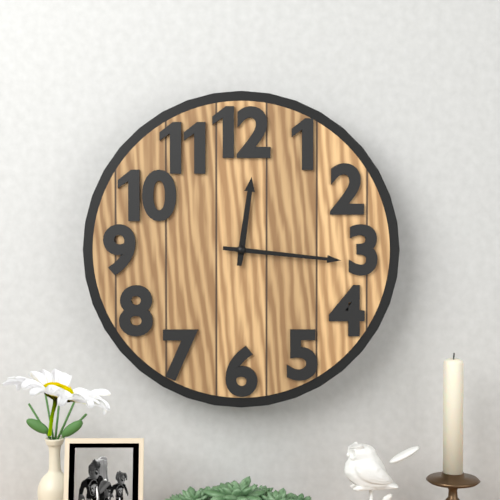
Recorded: h=12 m=16
